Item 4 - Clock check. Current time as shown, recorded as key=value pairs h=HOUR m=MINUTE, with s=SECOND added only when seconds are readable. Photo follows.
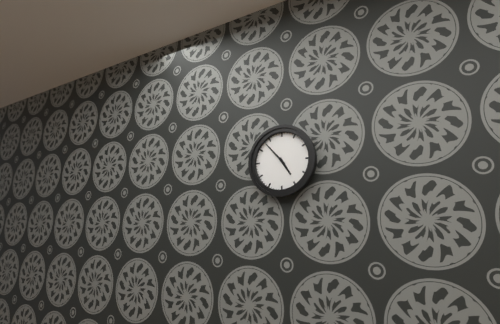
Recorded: h=4 m=53
